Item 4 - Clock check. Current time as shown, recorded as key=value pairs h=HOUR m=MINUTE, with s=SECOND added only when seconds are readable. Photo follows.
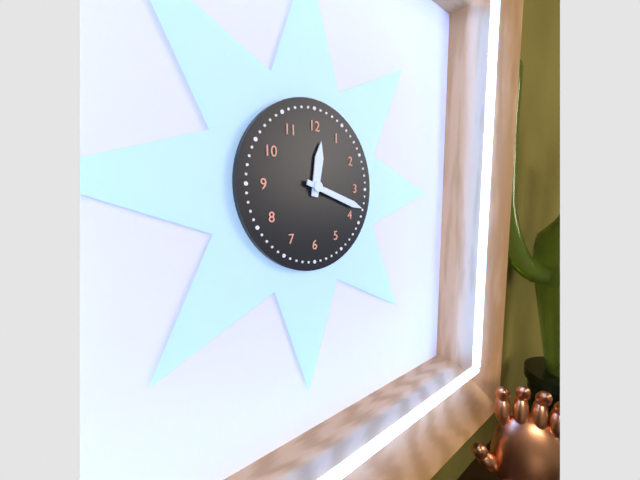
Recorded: h=12 m=18
